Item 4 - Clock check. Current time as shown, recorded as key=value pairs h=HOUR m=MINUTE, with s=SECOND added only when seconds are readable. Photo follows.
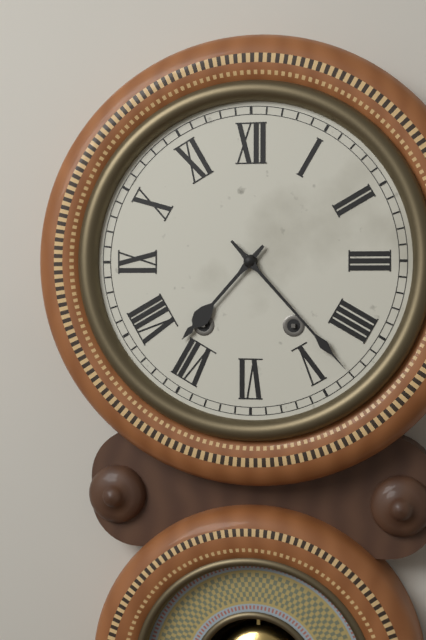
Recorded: h=7 m=23
